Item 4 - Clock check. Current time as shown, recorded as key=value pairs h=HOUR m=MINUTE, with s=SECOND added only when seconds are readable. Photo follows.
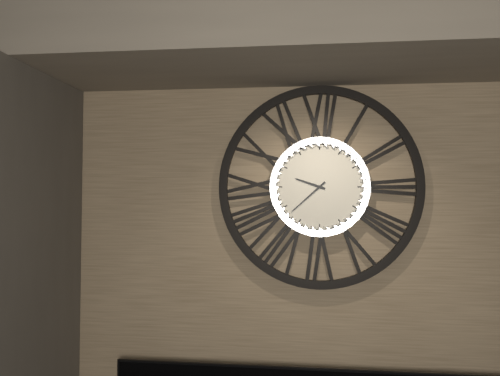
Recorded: h=9 m=38
